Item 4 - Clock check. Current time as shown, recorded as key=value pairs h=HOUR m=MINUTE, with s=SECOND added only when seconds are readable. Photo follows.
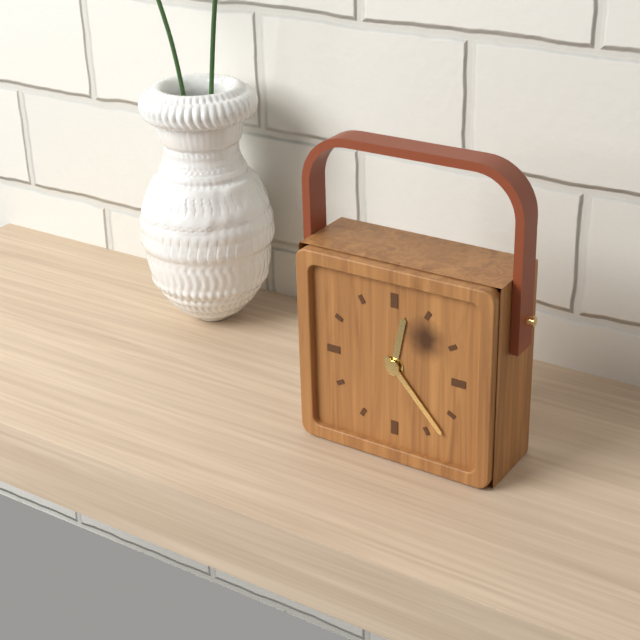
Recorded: h=12 m=23
